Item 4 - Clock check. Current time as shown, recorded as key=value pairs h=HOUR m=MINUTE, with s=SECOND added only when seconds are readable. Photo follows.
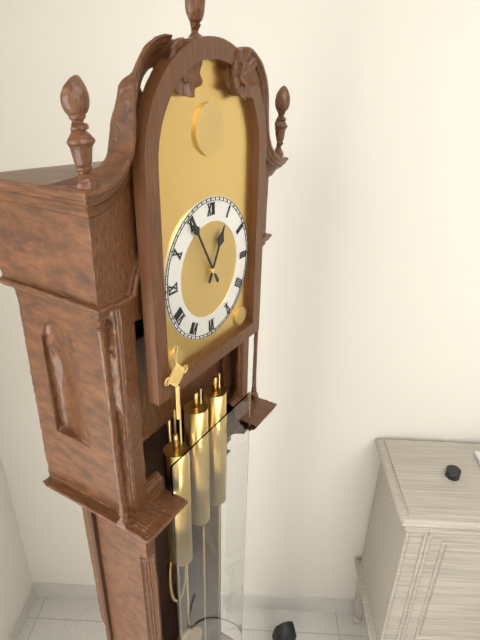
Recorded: h=12 m=55
